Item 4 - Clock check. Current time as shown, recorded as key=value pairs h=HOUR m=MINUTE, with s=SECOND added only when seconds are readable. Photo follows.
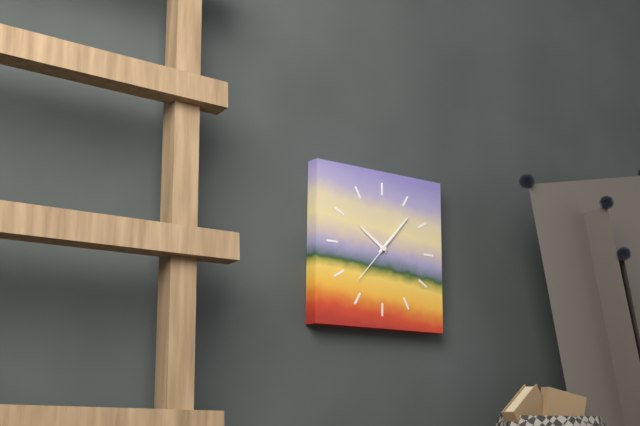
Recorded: h=10 m=7
